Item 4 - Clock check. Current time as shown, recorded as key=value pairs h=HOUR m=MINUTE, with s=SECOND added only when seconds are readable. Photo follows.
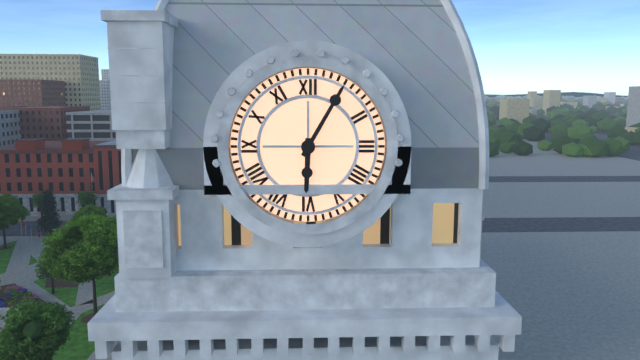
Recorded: h=6 m=5
